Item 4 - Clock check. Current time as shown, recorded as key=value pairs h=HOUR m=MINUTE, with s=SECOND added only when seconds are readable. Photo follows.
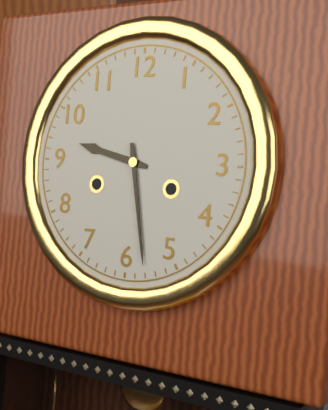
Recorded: h=9 m=28
